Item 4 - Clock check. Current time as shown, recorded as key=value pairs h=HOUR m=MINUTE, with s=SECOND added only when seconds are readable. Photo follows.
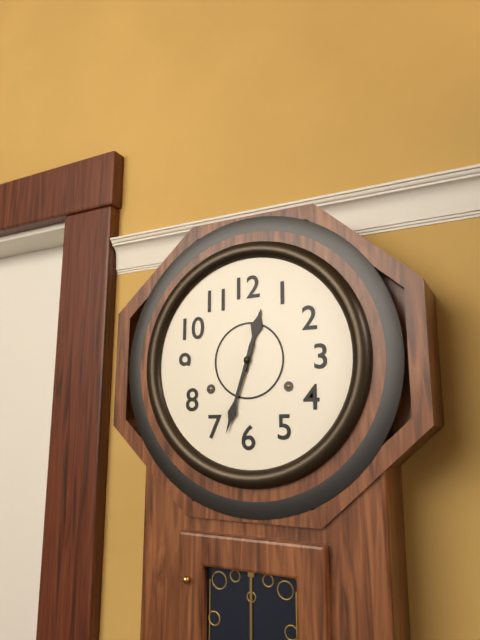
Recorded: h=12 m=33
